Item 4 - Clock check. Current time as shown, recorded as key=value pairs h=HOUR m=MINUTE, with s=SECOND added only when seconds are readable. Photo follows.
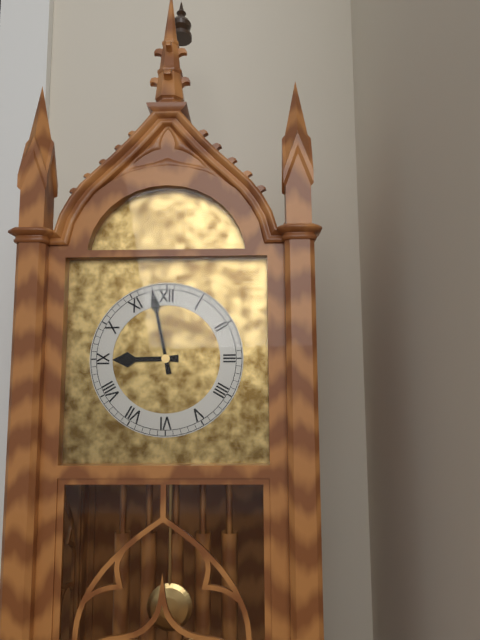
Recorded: h=8 m=58
